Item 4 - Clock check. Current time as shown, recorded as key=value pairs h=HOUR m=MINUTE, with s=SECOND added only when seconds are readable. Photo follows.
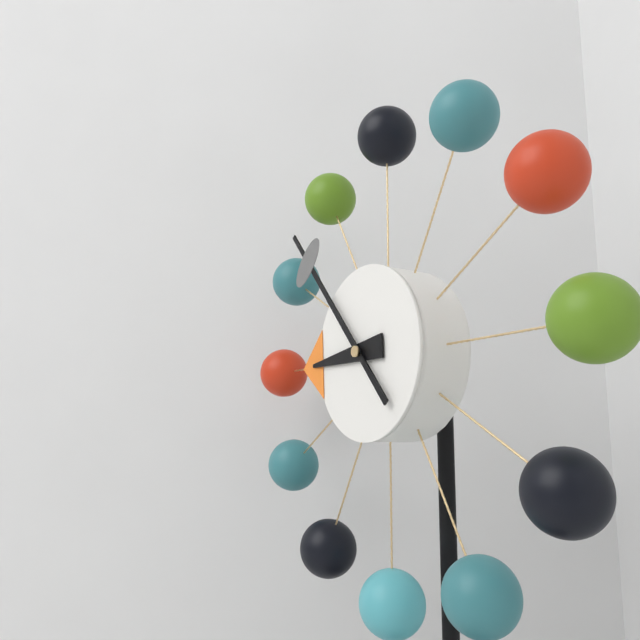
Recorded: h=8 m=53
